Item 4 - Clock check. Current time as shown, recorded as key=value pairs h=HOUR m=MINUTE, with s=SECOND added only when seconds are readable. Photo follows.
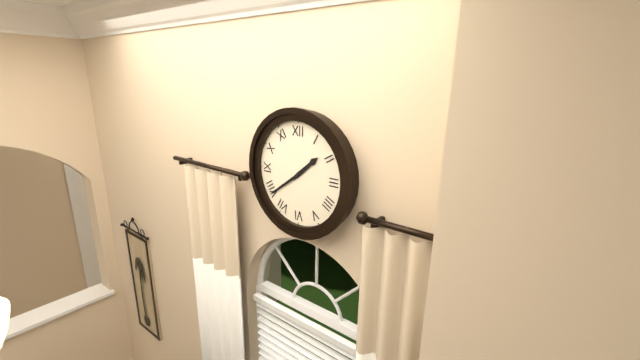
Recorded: h=1 m=39
